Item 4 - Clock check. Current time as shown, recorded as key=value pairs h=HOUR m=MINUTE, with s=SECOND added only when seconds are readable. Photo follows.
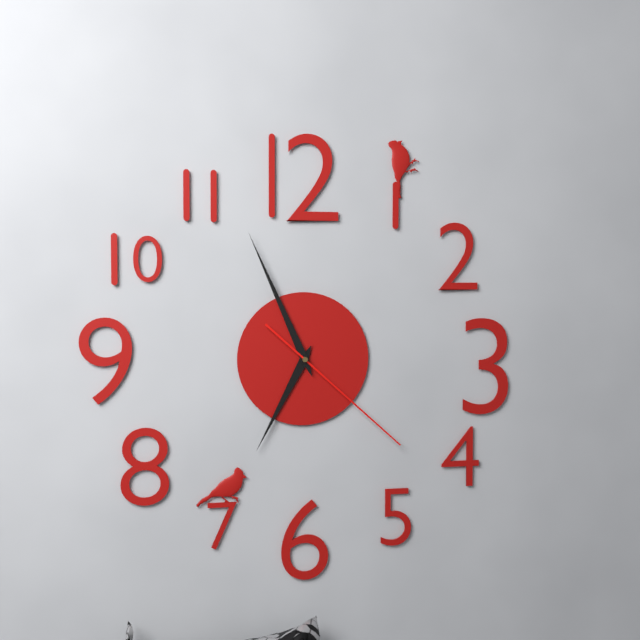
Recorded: h=6 m=56 s=22
